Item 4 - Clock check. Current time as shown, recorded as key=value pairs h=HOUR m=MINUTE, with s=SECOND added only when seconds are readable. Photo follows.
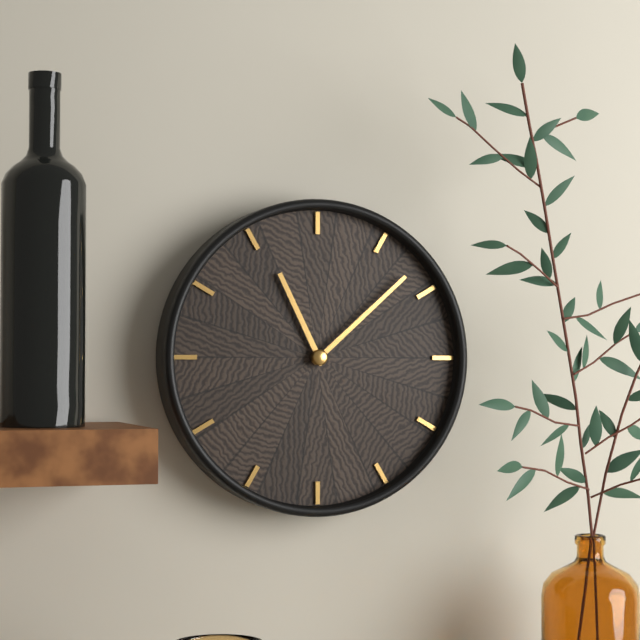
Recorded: h=11 m=8
